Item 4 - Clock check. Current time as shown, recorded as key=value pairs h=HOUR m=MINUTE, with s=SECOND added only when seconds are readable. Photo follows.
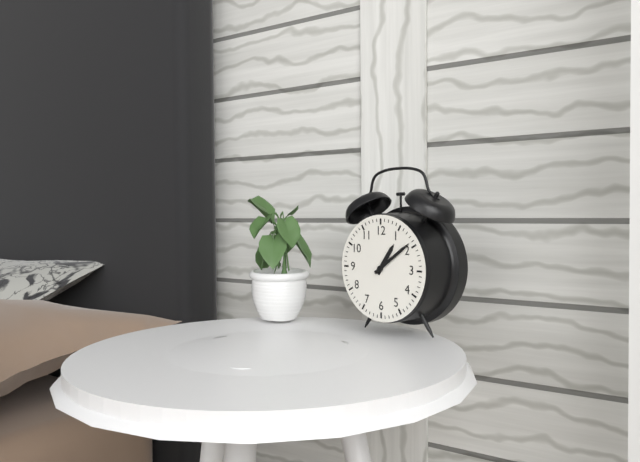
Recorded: h=1 m=9
